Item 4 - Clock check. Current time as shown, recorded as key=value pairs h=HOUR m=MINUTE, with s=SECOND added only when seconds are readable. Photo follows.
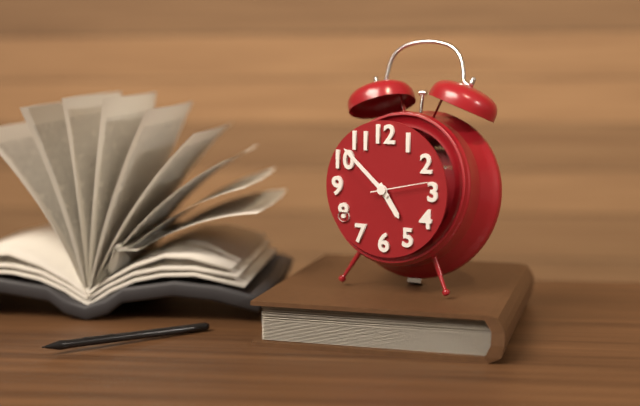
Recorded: h=4 m=52 s=13
